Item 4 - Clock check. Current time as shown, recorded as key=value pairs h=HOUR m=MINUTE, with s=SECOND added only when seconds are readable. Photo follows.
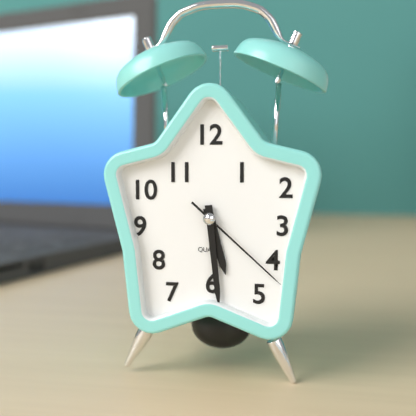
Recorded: h=5 m=29 s=22
